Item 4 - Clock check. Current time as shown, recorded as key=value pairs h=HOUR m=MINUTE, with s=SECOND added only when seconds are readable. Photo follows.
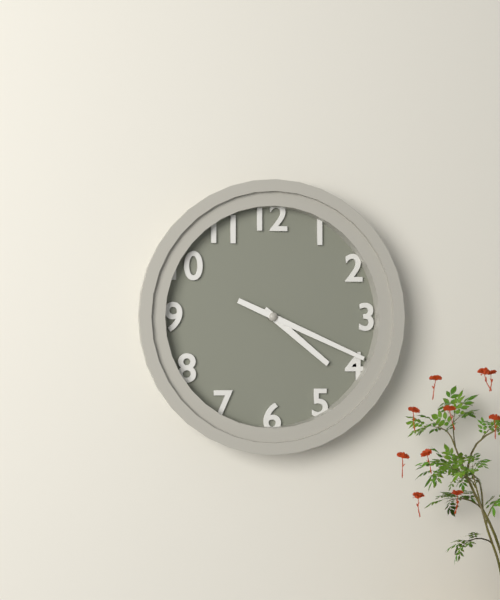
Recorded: h=4 m=19
